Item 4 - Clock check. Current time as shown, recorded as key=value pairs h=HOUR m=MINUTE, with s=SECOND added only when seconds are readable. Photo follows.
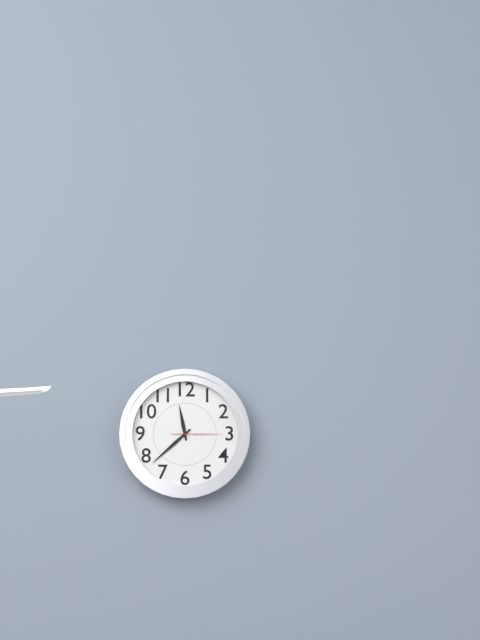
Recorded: h=11 m=38 s=15
